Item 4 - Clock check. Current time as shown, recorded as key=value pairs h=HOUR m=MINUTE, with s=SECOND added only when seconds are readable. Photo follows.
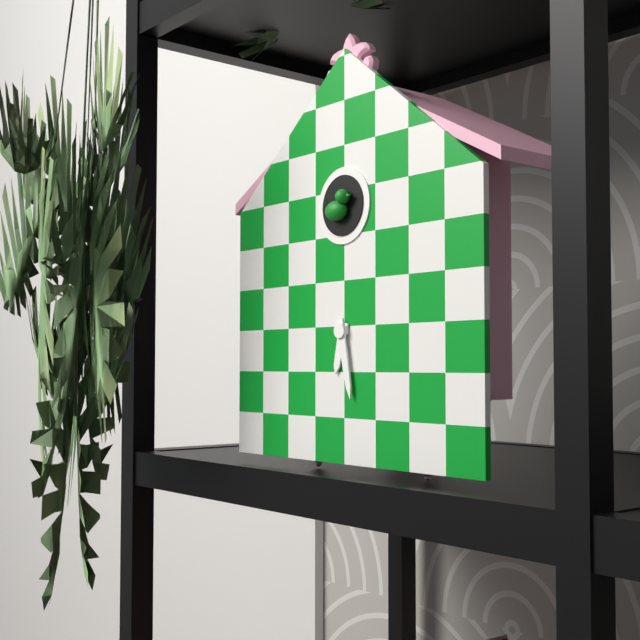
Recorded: h=6 m=28
